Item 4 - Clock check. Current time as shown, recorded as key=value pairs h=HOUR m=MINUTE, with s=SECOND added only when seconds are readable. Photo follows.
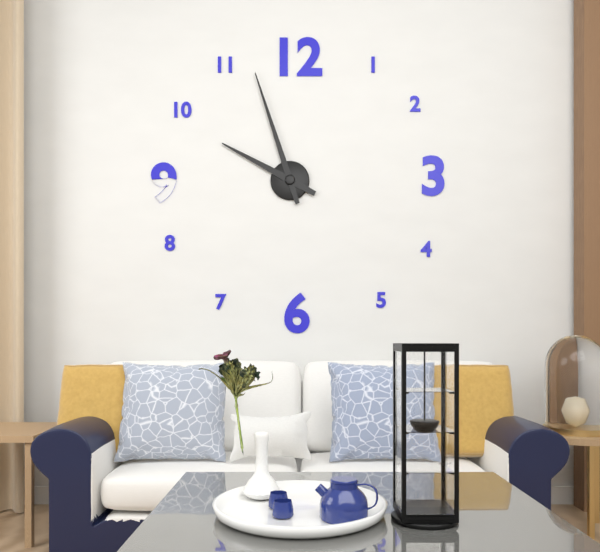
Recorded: h=9 m=57
